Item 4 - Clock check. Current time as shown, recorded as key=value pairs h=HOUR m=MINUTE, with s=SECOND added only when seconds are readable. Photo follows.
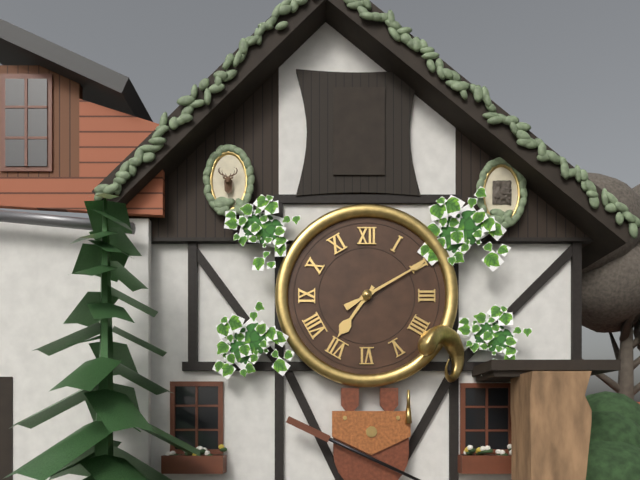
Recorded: h=7 m=10
